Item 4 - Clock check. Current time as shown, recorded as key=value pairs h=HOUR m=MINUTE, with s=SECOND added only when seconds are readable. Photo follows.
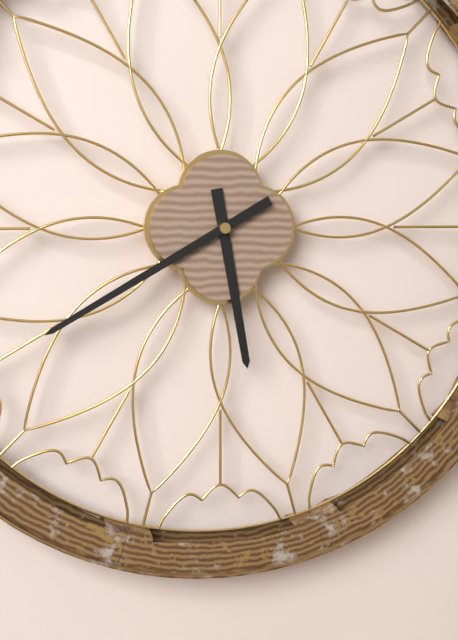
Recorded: h=5 m=40
